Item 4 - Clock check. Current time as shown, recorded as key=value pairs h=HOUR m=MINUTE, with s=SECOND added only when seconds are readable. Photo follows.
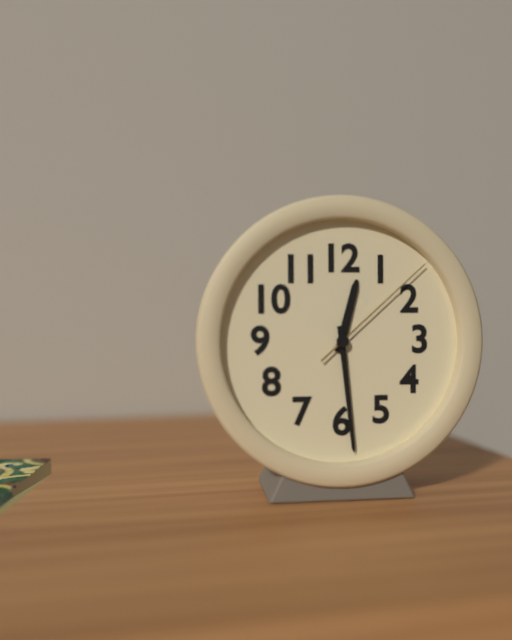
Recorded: h=12 m=29 s=8
